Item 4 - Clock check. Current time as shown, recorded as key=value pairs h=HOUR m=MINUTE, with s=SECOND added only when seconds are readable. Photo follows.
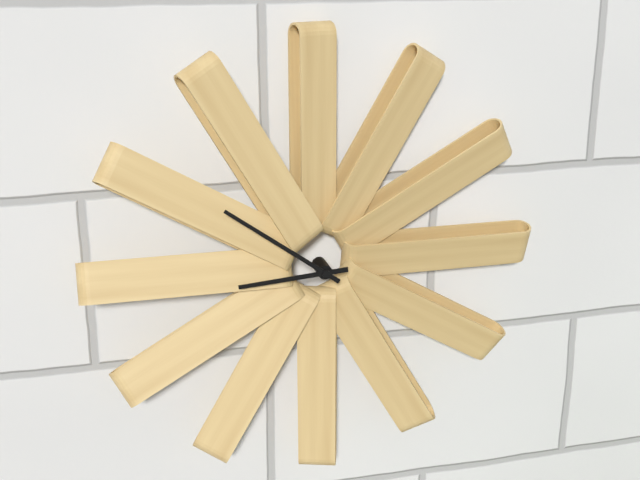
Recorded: h=8 m=51
